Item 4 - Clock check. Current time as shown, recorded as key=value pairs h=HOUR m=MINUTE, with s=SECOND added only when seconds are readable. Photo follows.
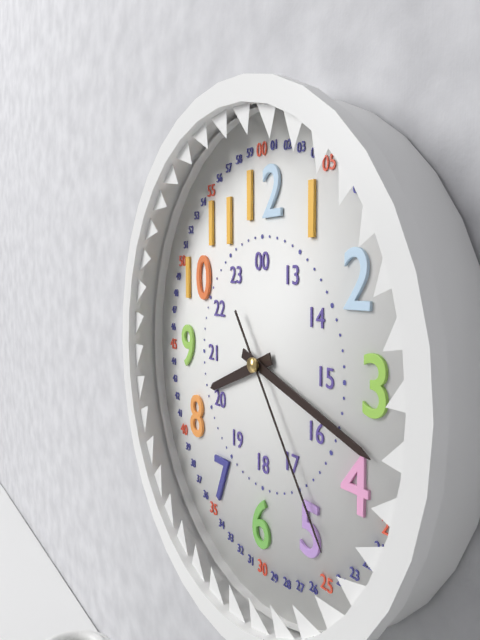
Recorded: h=8 m=18 s=24
